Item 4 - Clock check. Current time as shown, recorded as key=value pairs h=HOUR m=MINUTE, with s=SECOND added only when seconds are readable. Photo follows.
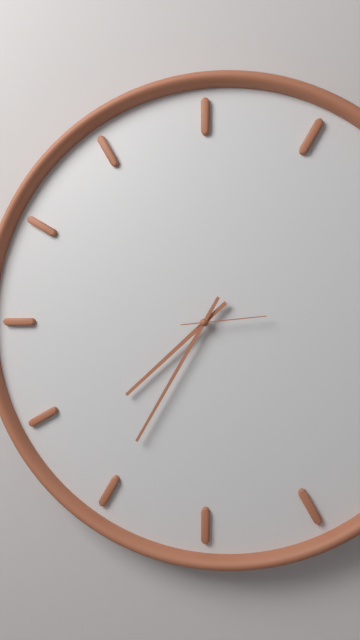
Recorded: h=7 m=35 s=14
